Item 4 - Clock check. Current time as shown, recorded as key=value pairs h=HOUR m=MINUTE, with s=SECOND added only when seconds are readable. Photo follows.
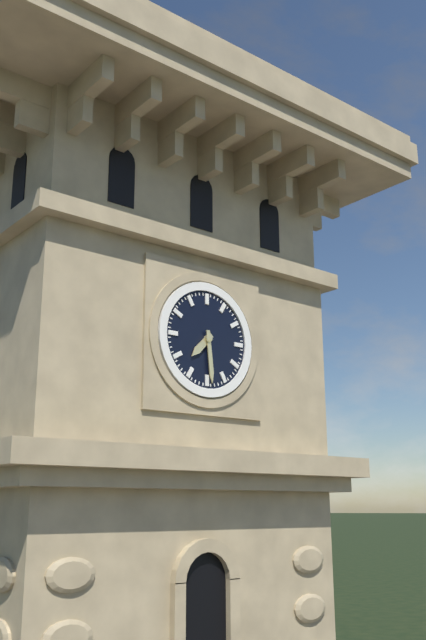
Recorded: h=7 m=29
